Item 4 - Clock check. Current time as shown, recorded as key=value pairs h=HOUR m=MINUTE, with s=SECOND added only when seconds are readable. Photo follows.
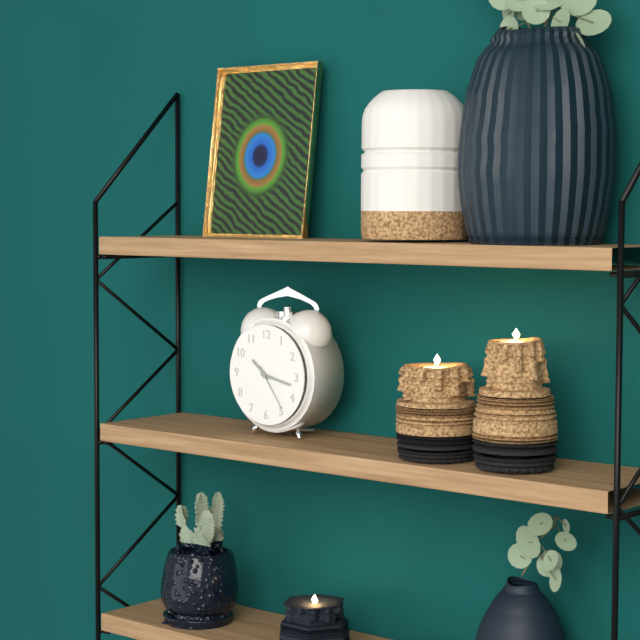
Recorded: h=10 m=17
